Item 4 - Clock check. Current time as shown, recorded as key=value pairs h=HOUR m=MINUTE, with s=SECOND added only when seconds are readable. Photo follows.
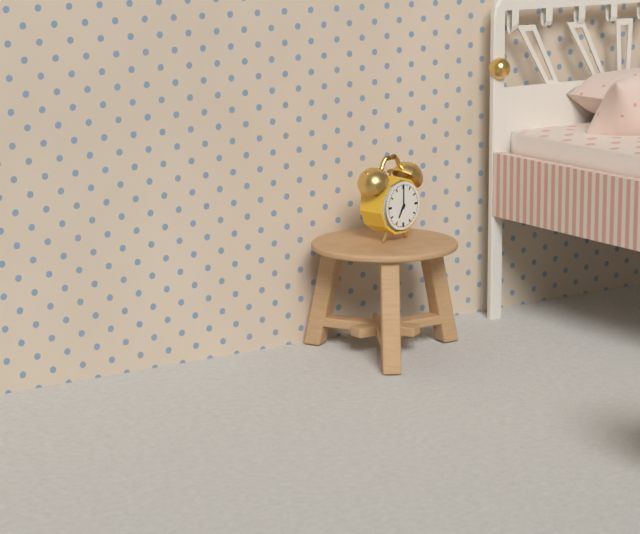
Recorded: h=7 m=0
